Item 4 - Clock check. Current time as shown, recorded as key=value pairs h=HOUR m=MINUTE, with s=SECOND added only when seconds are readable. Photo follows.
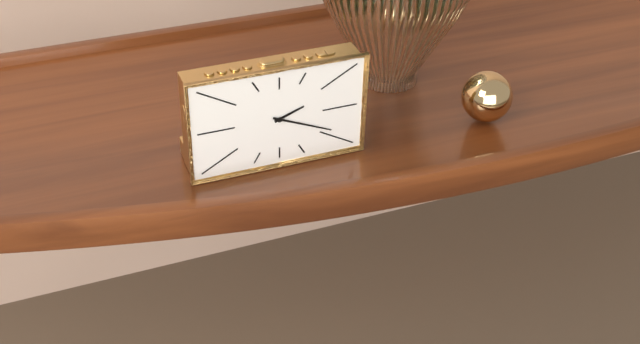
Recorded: h=2 m=19
